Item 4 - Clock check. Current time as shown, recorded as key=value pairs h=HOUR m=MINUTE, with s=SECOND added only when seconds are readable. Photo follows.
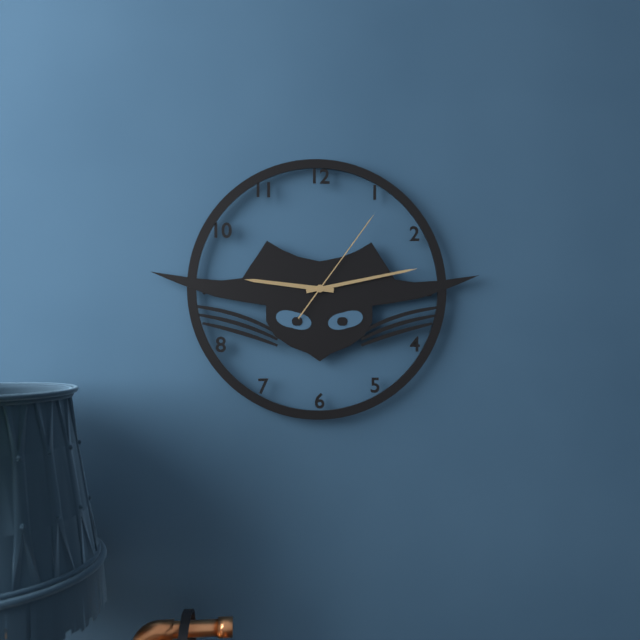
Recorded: h=9 m=13 s=6
